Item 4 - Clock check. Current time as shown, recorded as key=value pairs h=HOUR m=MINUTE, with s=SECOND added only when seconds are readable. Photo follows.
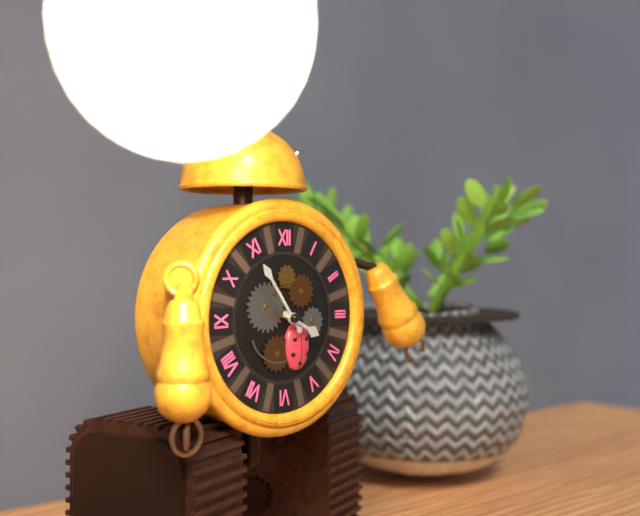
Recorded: h=3 m=54
